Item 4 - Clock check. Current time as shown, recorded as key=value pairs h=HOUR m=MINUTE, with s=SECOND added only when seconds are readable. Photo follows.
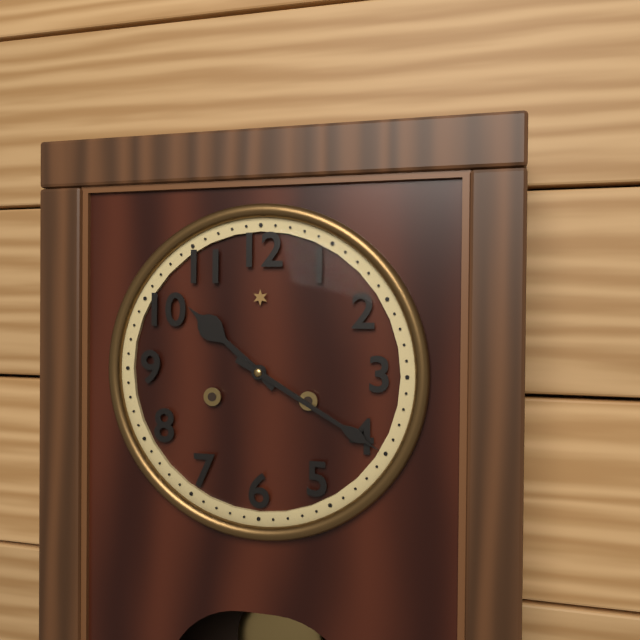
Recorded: h=10 m=20
